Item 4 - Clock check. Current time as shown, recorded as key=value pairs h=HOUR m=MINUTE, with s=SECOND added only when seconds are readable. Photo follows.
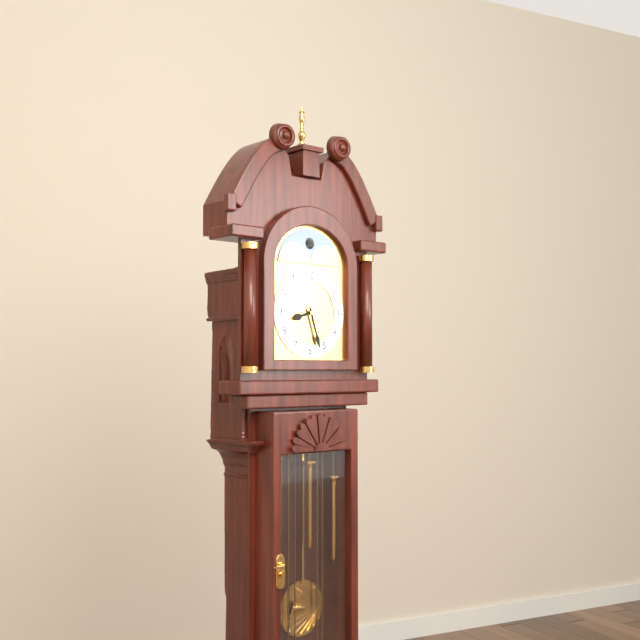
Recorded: h=8 m=27
